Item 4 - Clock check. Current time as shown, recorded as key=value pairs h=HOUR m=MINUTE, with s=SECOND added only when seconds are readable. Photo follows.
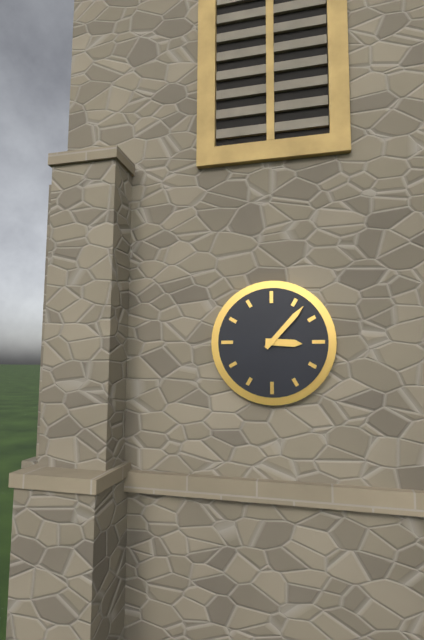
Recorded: h=3 m=7
